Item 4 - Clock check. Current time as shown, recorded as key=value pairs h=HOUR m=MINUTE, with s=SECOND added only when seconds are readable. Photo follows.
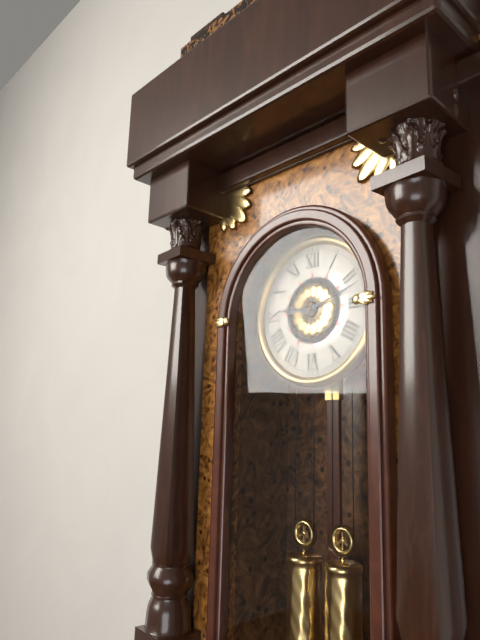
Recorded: h=9 m=12
